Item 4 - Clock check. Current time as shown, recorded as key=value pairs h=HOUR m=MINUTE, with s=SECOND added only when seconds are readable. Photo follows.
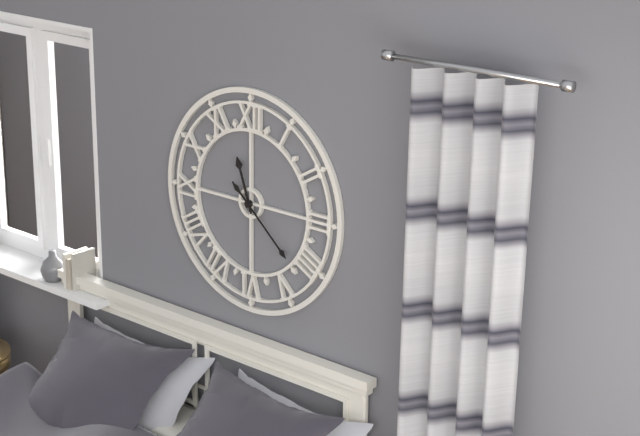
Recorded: h=11 m=22
